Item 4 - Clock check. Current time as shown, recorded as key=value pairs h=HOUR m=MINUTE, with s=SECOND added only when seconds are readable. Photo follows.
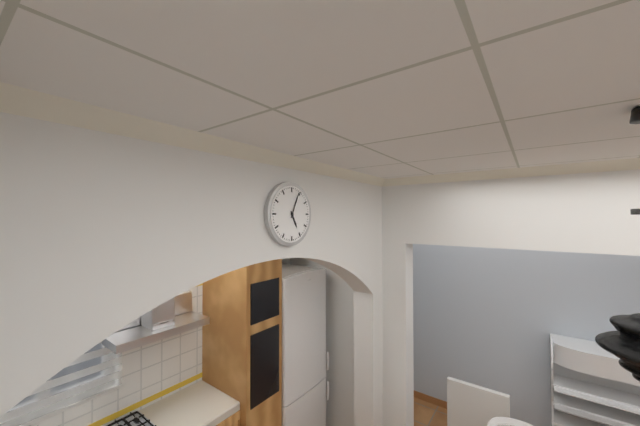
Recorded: h=5 m=4
